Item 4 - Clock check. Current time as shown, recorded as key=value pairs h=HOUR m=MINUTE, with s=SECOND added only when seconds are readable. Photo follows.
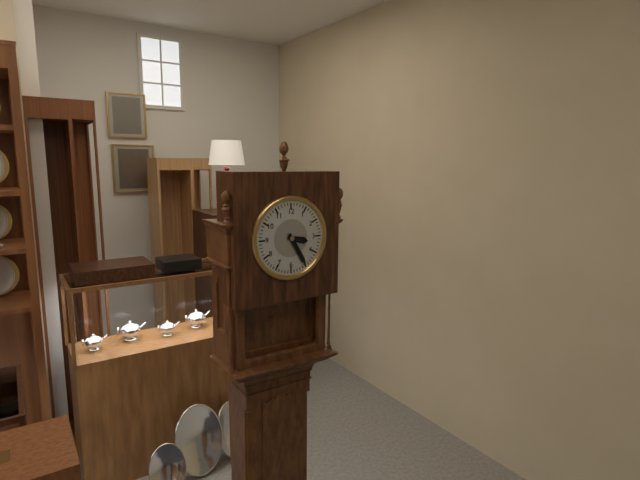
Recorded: h=3 m=25
